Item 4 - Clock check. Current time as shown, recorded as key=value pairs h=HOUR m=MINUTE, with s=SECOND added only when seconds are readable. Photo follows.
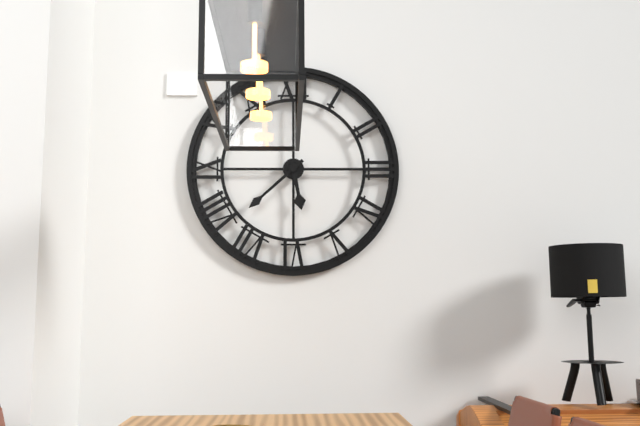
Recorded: h=5 m=38
